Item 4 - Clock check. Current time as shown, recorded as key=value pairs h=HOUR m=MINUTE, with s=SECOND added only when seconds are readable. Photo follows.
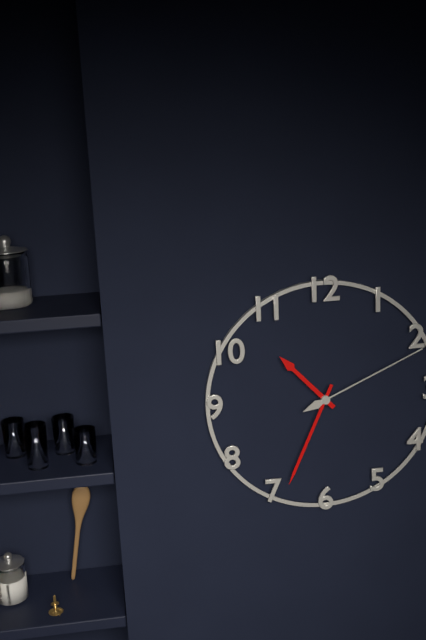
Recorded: h=10 m=34 s=11
